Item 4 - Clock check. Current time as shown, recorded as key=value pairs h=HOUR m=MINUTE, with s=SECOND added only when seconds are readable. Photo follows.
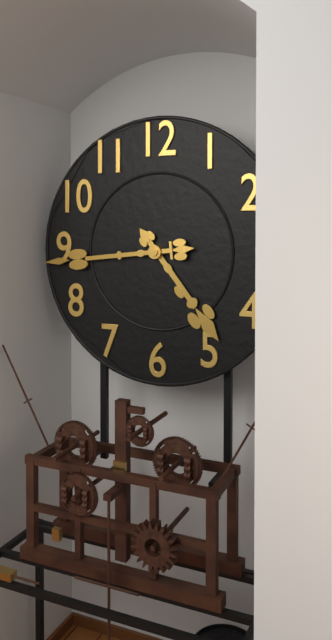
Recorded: h=4 m=44
